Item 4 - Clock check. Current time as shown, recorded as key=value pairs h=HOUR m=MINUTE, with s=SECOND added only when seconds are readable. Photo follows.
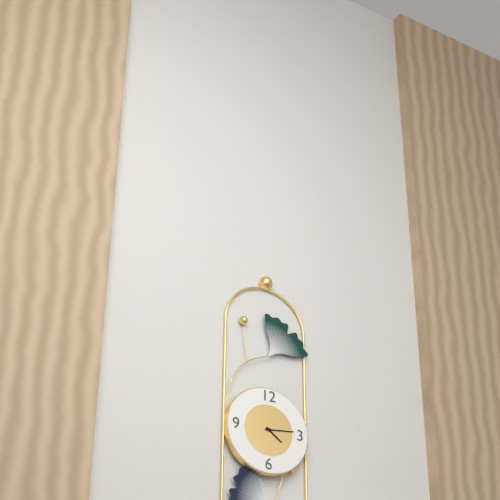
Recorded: h=4 m=14
